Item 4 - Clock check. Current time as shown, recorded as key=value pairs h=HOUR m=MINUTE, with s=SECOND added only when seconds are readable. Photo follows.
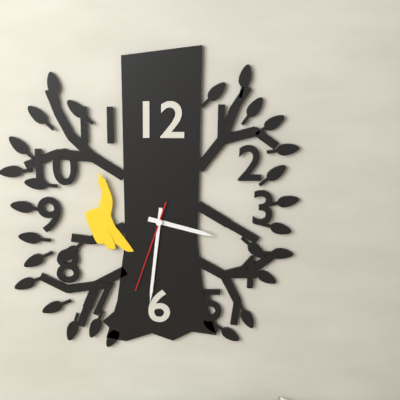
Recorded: h=3 m=31 s=33
